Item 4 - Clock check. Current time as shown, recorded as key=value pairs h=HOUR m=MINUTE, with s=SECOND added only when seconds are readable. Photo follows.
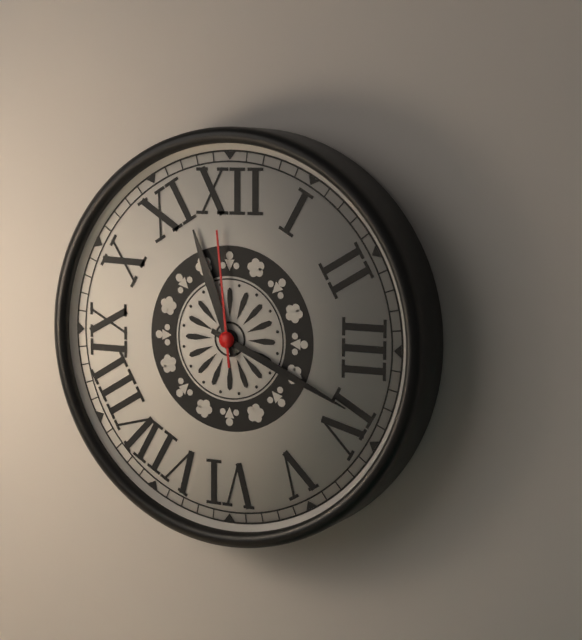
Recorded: h=11 m=19 s=59
